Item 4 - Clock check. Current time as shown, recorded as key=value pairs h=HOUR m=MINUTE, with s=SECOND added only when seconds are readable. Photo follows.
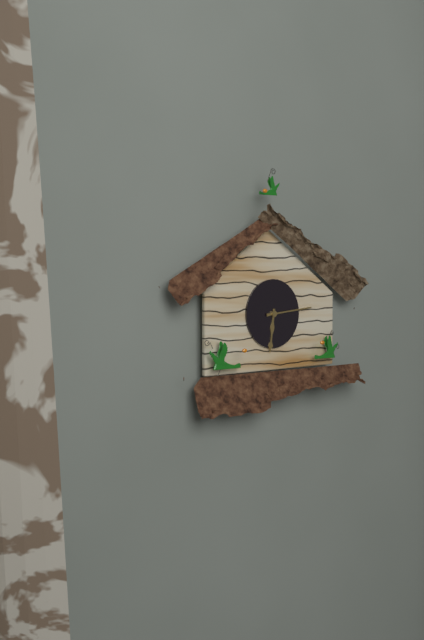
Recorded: h=6 m=14
